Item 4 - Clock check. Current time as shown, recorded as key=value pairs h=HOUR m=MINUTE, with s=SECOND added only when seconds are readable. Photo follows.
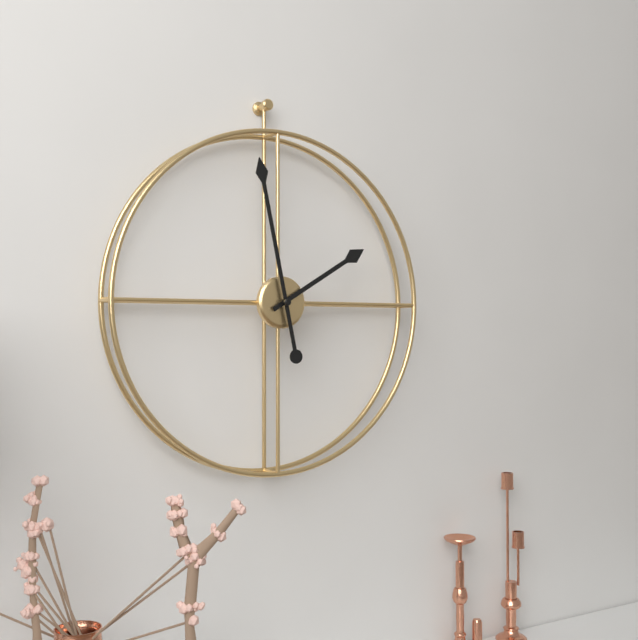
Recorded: h=1 m=58
